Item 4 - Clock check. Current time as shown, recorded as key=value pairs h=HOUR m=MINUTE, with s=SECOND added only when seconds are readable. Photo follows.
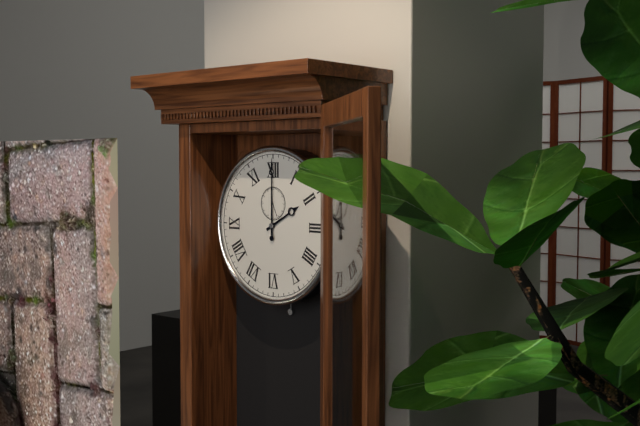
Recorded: h=2 m=0
